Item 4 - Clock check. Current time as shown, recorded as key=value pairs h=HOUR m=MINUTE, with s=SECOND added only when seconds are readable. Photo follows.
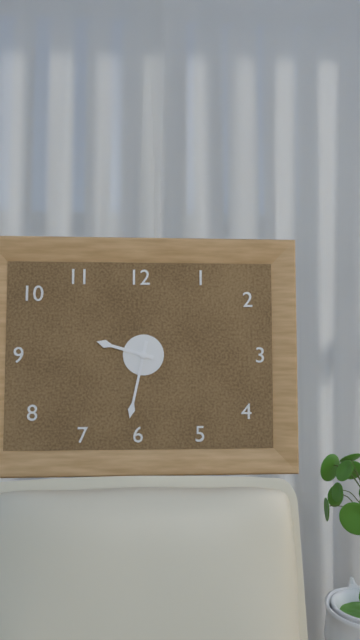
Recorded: h=9 m=32
